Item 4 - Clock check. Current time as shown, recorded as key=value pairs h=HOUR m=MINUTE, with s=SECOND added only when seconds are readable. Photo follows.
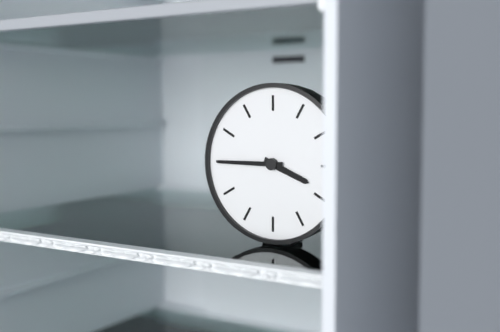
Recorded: h=3 m=45
